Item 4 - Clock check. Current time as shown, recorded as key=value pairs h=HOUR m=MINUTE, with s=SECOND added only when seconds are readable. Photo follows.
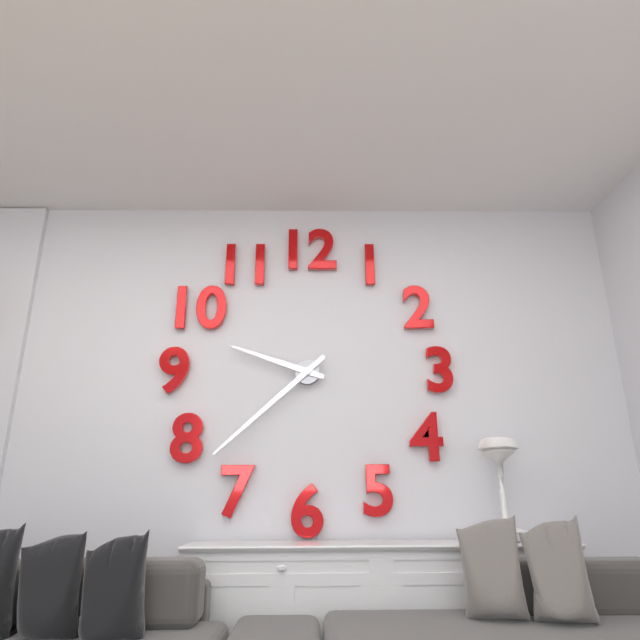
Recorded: h=9 m=38
